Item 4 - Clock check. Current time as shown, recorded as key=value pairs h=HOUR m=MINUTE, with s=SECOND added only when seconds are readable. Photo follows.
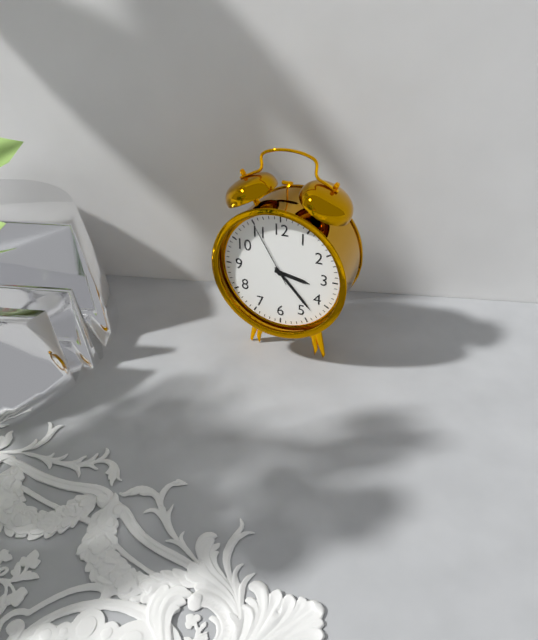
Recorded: h=3 m=23 s=55
